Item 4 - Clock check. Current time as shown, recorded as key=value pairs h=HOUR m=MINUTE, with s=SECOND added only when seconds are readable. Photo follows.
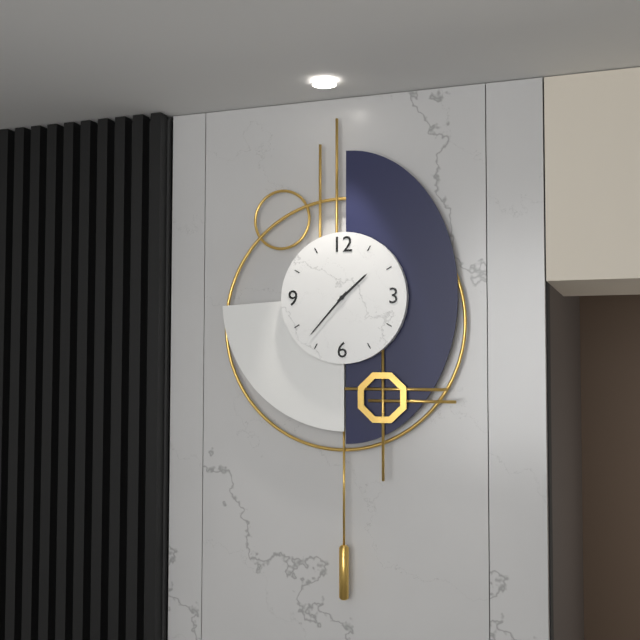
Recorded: h=1 m=37
